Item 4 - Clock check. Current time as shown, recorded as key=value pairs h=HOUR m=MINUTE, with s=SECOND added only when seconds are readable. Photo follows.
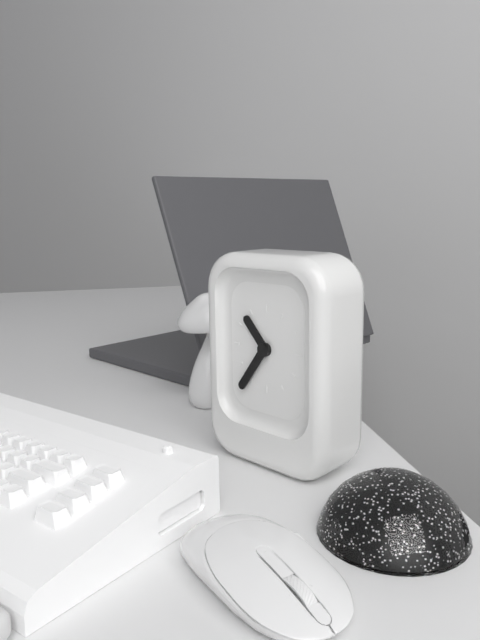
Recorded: h=10 m=36
